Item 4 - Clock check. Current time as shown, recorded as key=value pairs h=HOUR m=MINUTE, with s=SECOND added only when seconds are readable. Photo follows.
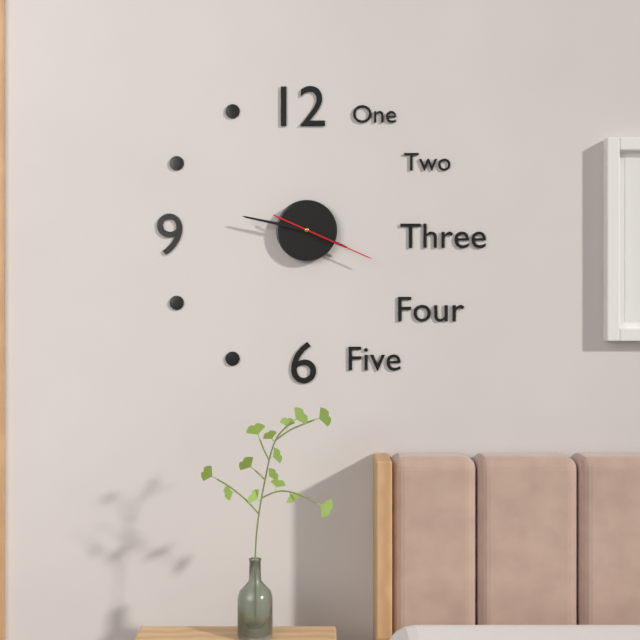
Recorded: h=3 m=47 s=19
